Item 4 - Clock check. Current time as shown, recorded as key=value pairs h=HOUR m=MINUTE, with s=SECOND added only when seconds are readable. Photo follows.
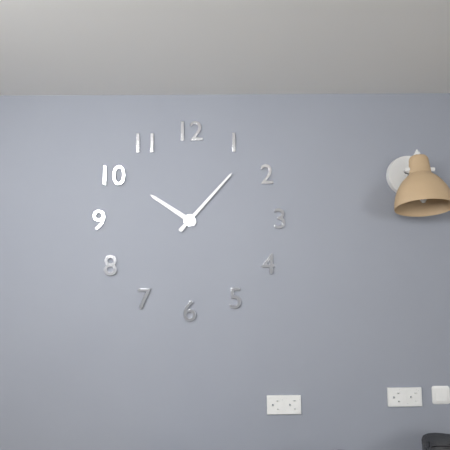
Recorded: h=10 m=7
